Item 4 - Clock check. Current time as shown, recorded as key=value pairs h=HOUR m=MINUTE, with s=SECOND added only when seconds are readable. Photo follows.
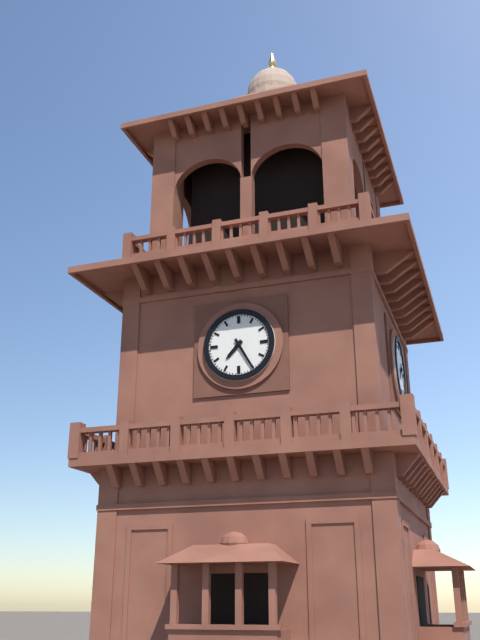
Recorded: h=7 m=25
